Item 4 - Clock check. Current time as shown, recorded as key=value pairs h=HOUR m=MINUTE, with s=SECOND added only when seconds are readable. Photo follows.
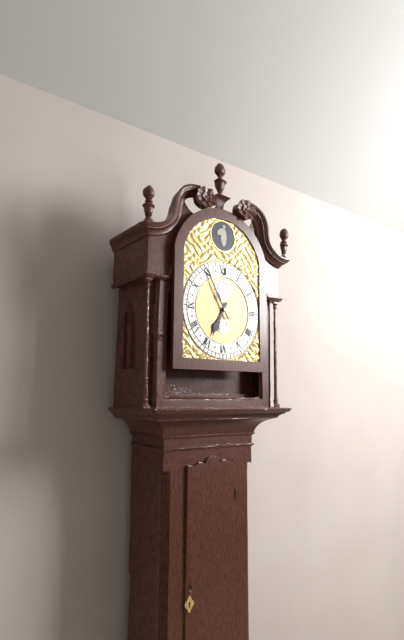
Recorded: h=6 m=55
